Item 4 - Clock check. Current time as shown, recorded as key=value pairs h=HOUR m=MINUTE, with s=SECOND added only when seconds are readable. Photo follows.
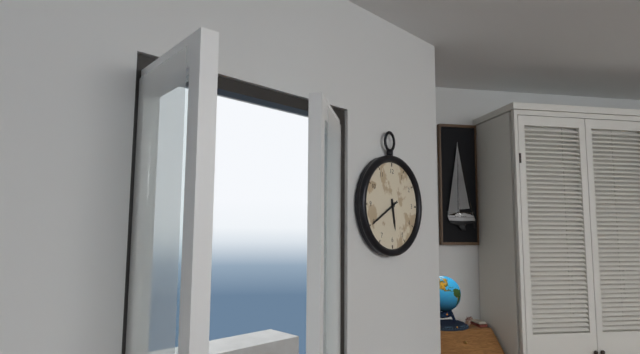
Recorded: h=5 m=40
